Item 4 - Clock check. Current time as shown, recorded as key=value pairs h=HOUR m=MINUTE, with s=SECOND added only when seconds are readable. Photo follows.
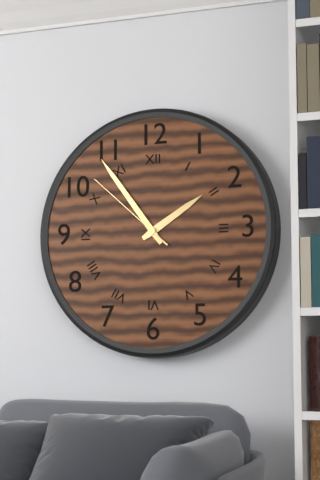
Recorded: h=1 m=54 s=52
